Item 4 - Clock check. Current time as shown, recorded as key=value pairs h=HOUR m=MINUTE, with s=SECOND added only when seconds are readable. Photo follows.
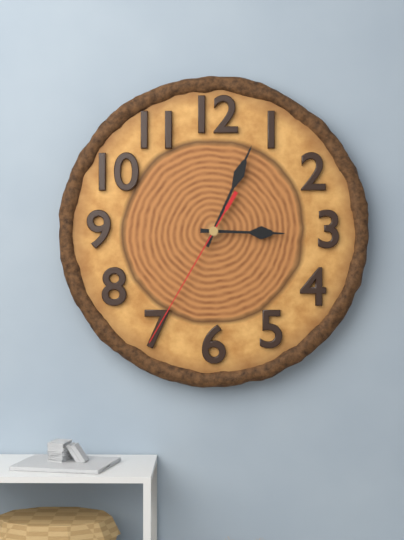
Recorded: h=3 m=4 s=35
